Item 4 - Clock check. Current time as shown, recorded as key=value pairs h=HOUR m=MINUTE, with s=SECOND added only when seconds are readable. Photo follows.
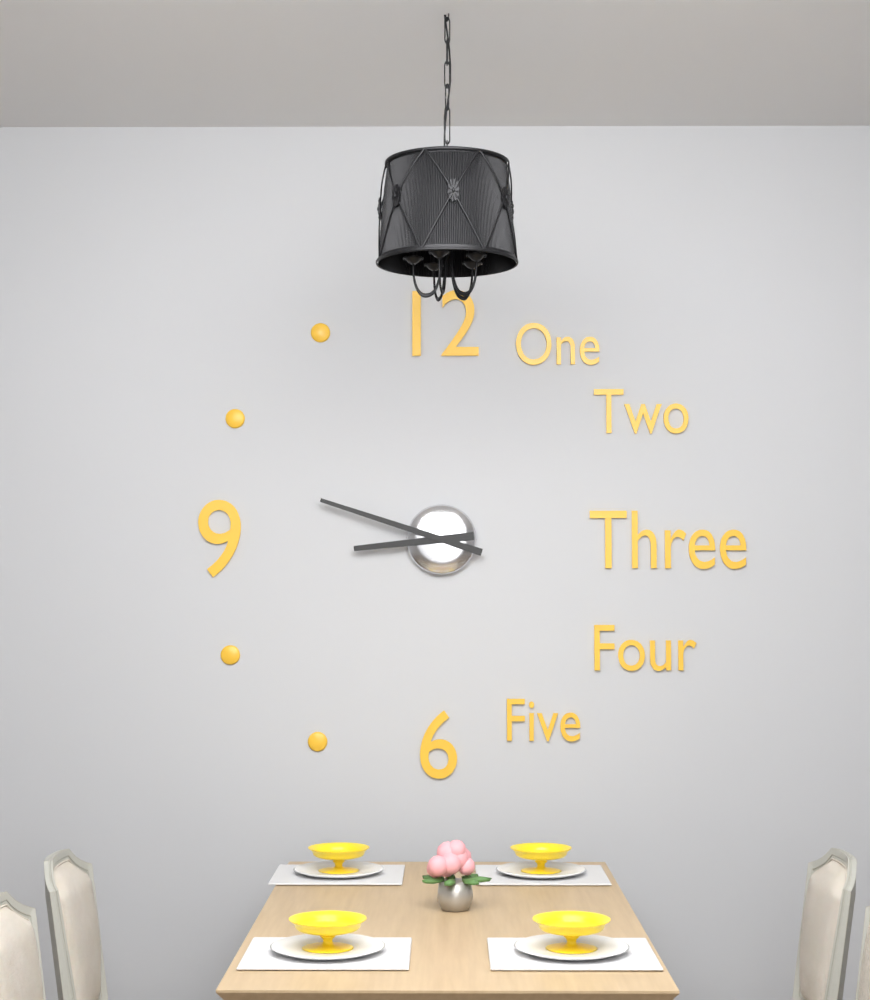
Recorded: h=8 m=48
